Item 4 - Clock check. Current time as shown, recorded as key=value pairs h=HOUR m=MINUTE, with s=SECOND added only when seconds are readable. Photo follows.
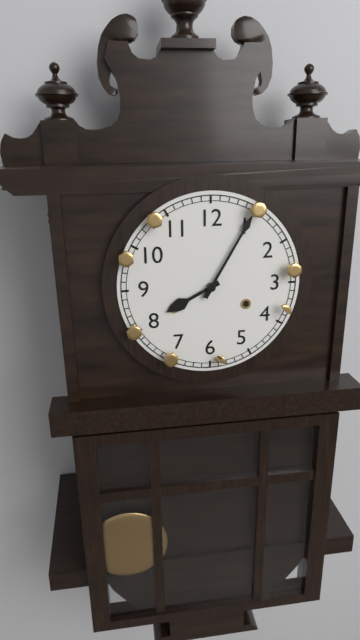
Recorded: h=8 m=5
